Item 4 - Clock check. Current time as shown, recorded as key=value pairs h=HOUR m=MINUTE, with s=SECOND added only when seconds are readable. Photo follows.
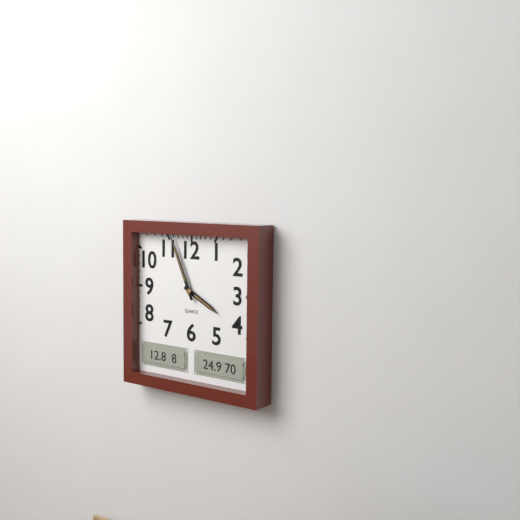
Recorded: h=3 m=56
